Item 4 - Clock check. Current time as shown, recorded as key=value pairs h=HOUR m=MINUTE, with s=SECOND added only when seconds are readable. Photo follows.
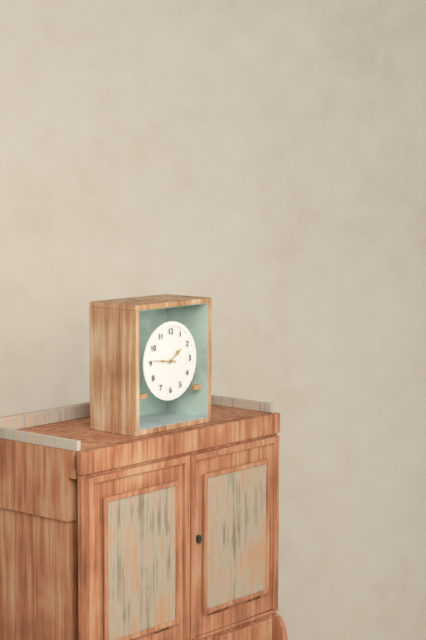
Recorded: h=1 m=46
